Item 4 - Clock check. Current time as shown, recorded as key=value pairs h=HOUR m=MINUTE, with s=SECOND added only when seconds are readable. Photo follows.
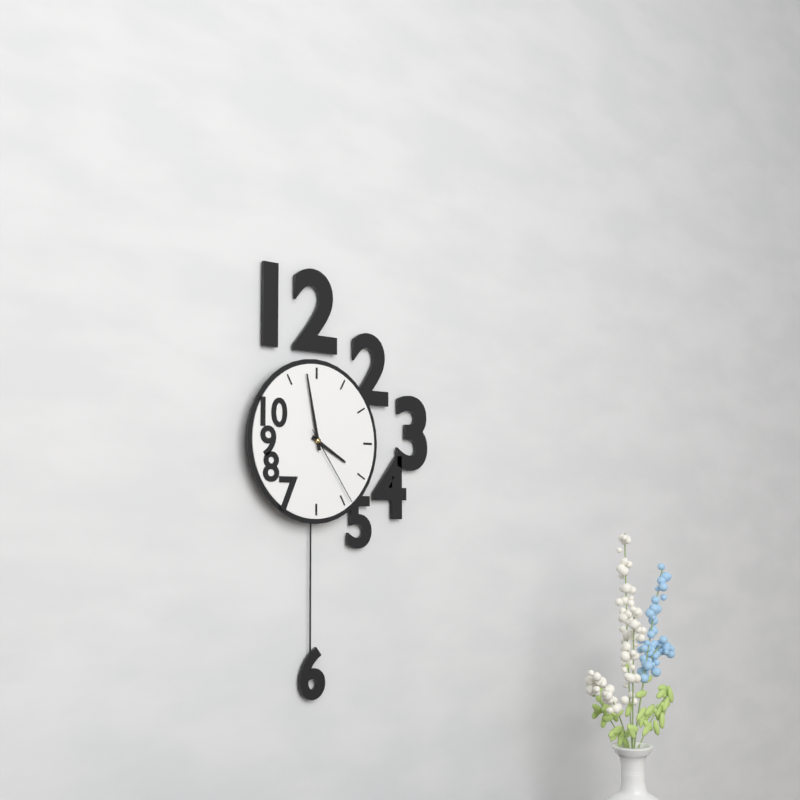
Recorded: h=3 m=58 s=24
